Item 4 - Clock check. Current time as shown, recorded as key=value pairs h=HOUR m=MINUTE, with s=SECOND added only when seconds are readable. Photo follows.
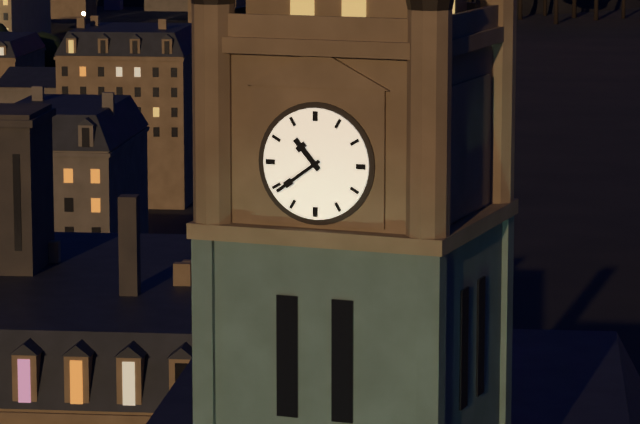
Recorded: h=10 m=39
